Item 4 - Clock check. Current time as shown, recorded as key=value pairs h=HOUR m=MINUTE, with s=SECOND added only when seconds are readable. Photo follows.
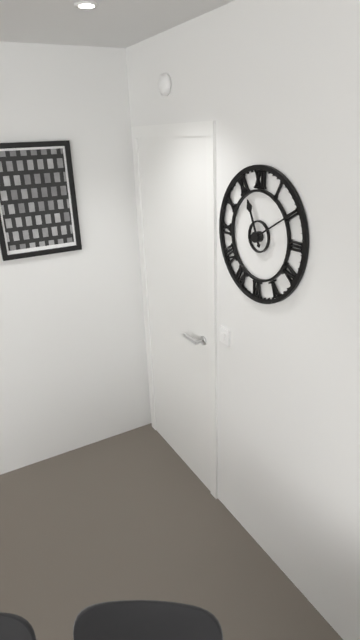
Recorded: h=11 m=10
